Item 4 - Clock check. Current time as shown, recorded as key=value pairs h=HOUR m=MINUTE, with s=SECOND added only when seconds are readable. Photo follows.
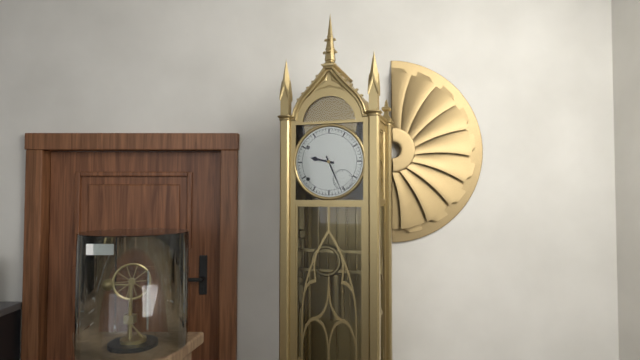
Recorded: h=9 m=26
